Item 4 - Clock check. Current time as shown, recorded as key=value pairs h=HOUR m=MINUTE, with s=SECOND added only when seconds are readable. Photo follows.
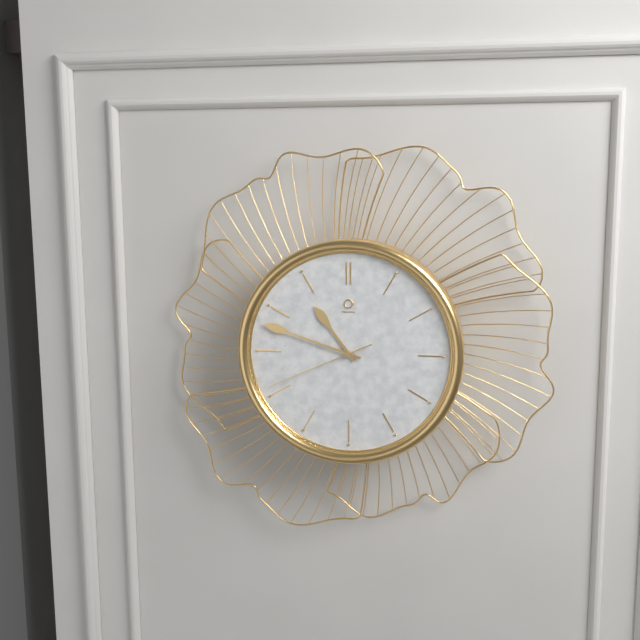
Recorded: h=10 m=48 s=41
